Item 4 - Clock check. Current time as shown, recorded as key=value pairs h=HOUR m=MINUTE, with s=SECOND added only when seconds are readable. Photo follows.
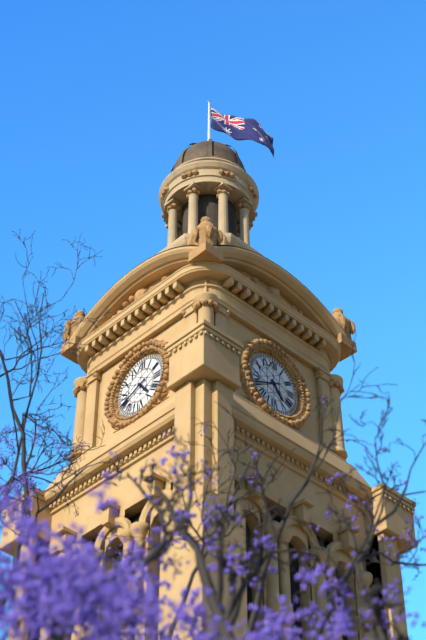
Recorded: h=4 m=41
